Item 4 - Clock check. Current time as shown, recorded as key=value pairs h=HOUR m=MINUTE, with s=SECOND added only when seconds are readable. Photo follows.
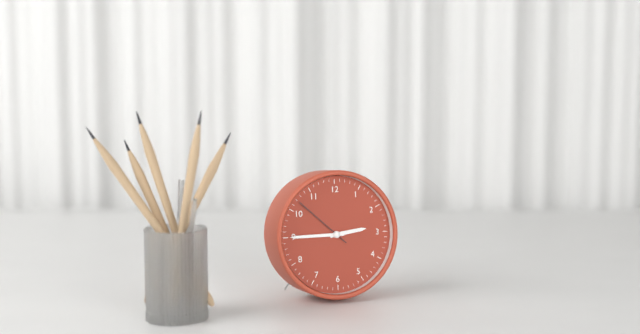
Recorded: h=2 m=45 s=52
